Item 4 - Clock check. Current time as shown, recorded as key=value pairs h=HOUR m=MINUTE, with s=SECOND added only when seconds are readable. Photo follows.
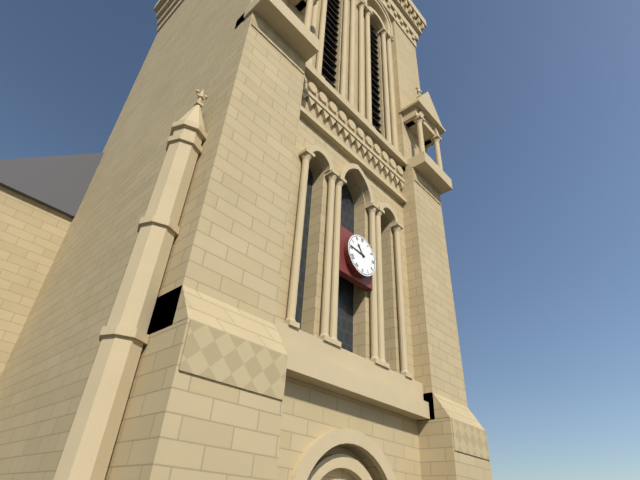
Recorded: h=10 m=46
